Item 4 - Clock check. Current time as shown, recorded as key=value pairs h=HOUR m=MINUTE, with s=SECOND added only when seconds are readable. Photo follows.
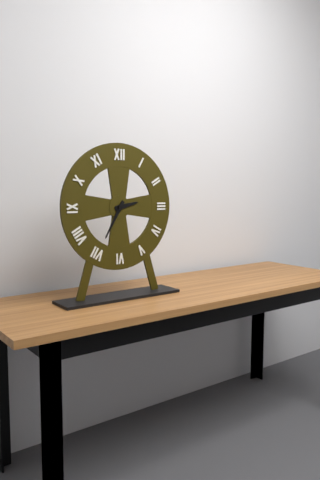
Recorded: h=2 m=35
